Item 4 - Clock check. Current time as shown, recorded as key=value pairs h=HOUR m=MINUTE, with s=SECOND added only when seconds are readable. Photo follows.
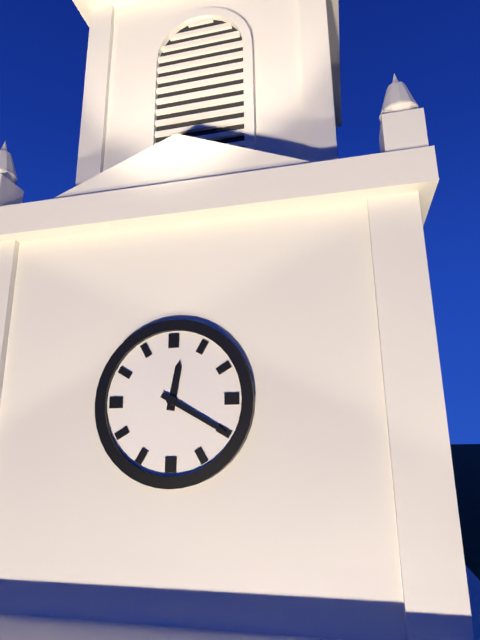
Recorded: h=12 m=20
